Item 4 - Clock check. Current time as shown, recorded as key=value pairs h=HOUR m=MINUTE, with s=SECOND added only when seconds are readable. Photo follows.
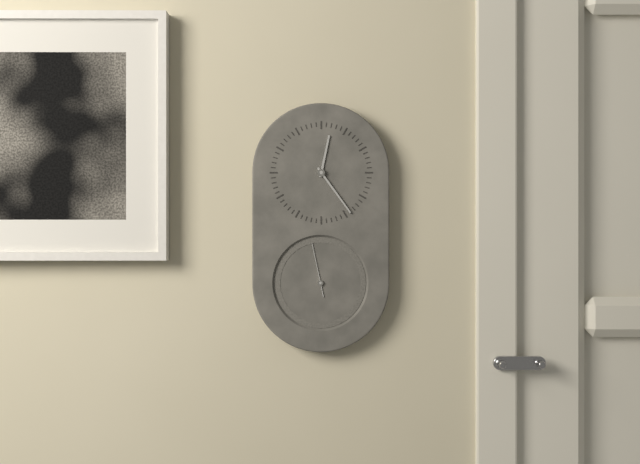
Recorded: h=12 m=24 s=58
